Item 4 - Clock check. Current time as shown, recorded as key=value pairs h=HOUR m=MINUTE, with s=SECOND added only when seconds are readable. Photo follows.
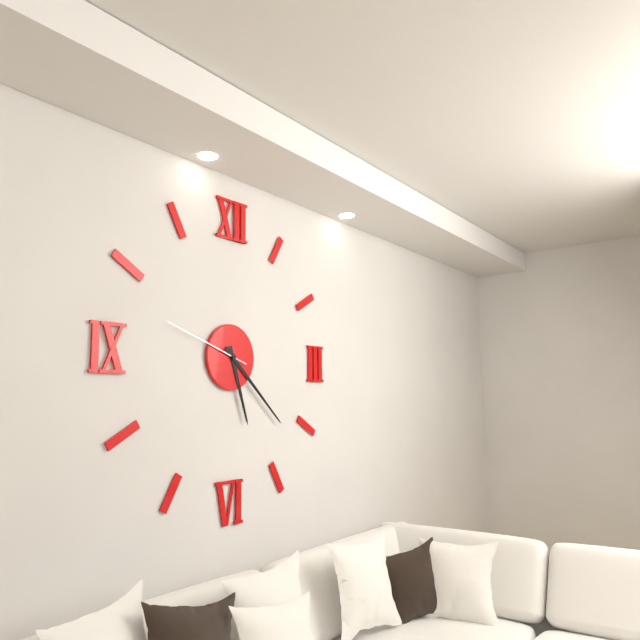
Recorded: h=5 m=22 s=48
